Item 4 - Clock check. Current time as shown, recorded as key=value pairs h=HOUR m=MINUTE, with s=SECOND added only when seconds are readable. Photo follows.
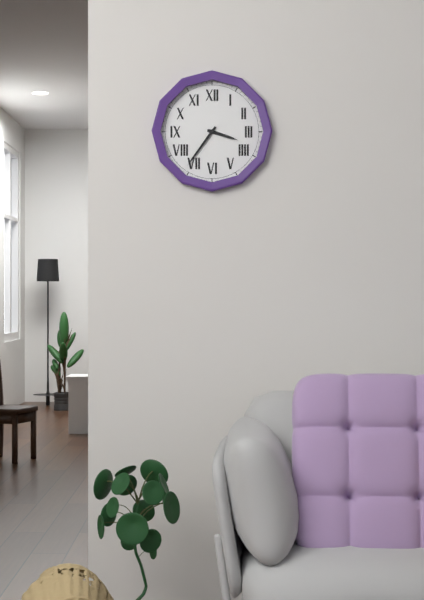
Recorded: h=3 m=36
